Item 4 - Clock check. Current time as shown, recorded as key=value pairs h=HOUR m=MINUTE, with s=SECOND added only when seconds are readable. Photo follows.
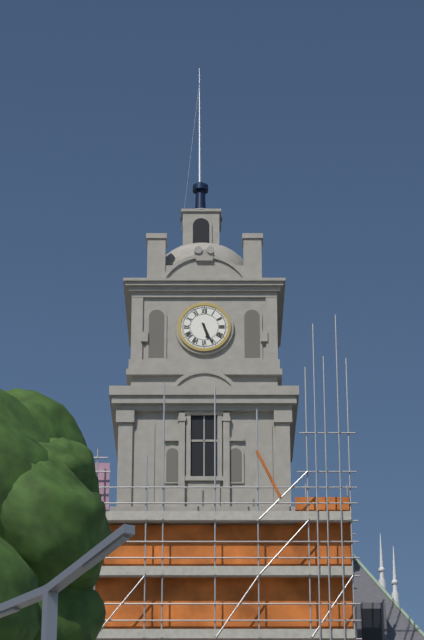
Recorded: h=5 m=26
